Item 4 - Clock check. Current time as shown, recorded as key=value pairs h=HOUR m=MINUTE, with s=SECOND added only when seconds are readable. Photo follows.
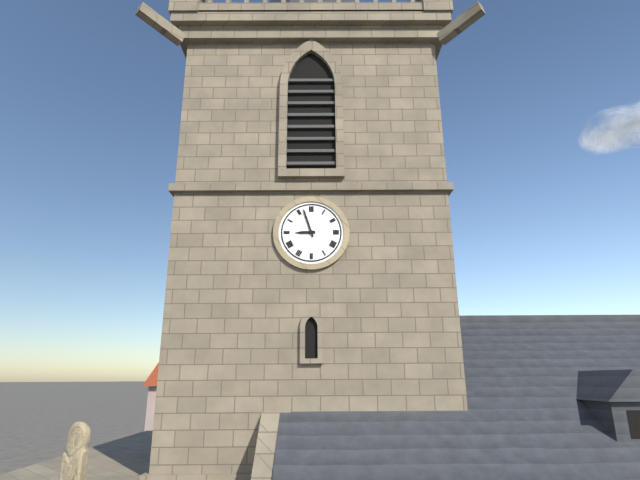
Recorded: h=8 m=57
